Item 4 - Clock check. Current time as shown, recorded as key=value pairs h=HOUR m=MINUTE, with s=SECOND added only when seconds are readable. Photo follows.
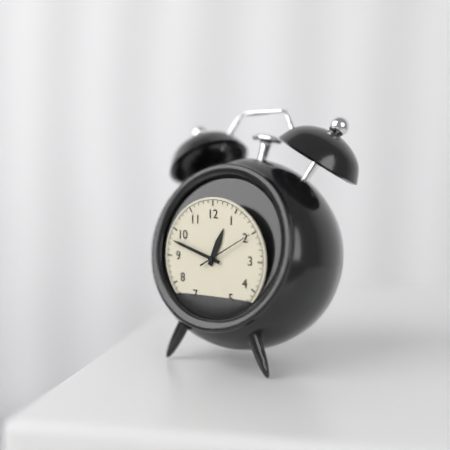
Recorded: h=12 m=48 s=10
